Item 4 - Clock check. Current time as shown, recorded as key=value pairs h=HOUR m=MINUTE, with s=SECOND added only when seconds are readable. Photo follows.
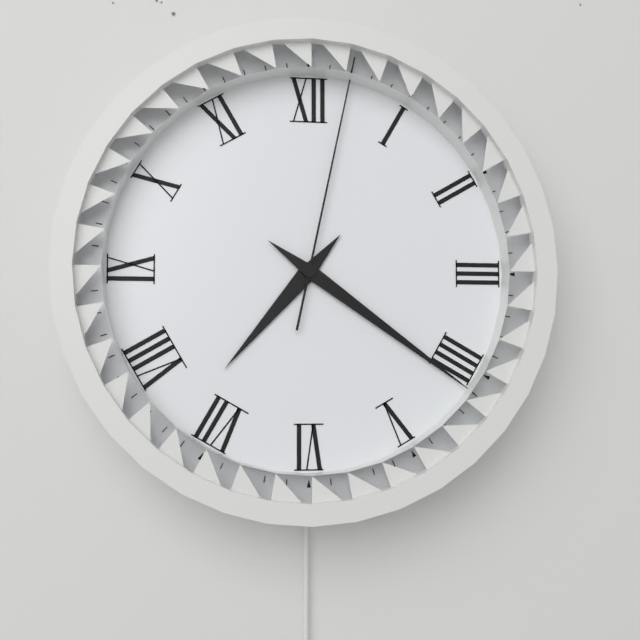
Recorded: h=7 m=21 s=2
